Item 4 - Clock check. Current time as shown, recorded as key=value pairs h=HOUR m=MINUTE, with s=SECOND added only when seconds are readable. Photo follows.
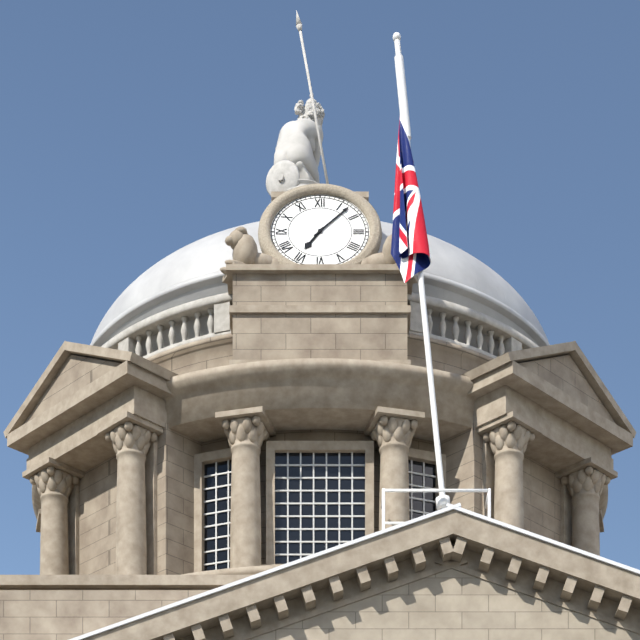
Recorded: h=7 m=7
